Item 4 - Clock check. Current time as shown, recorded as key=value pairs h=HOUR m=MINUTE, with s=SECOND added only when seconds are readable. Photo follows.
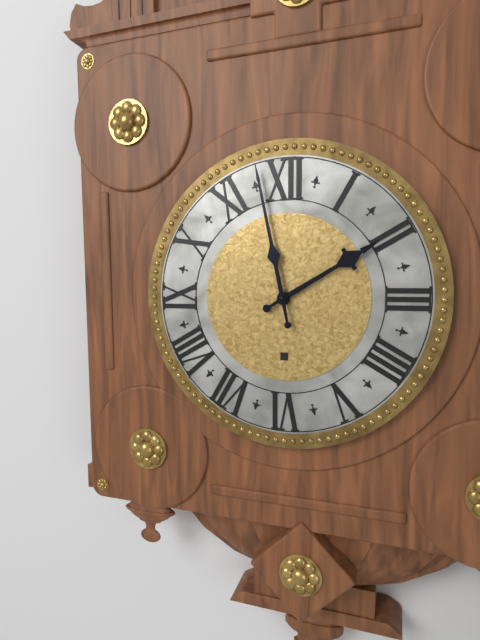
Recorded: h=1 m=58
